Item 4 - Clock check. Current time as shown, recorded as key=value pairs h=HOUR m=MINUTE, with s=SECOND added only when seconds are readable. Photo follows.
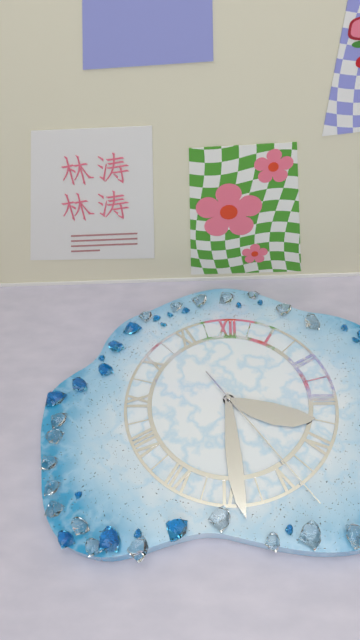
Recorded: h=3 m=29 s=24
